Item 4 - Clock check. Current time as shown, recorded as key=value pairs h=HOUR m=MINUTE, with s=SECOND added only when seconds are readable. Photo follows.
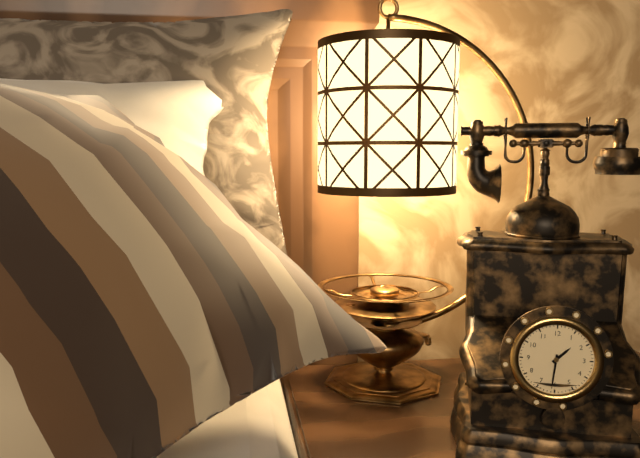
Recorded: h=1 m=31
